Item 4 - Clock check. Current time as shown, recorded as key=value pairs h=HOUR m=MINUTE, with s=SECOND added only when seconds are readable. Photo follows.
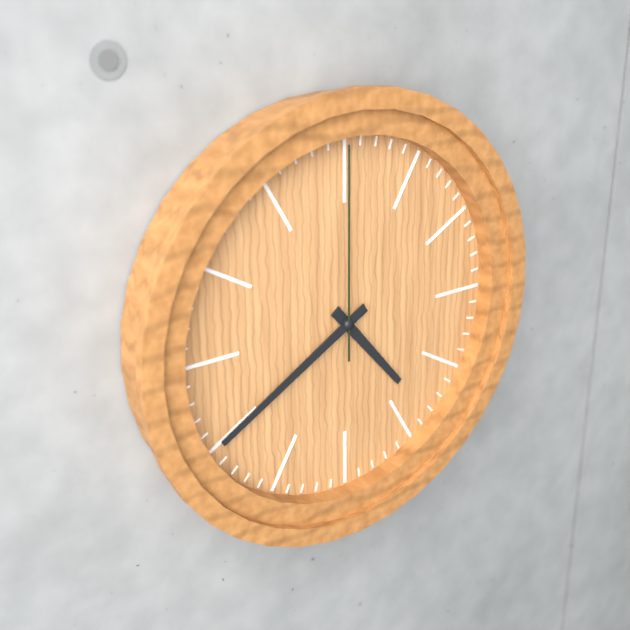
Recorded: h=4 m=40 s=0
